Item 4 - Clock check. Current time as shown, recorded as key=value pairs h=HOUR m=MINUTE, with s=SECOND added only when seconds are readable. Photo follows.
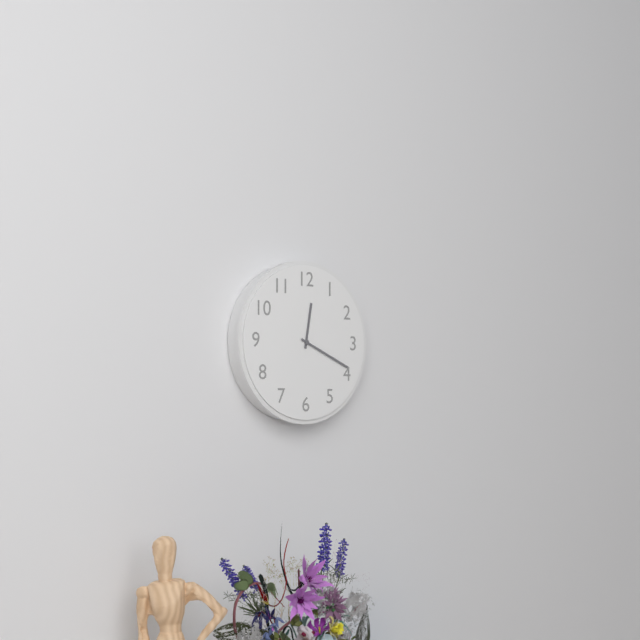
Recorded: h=12 m=19
